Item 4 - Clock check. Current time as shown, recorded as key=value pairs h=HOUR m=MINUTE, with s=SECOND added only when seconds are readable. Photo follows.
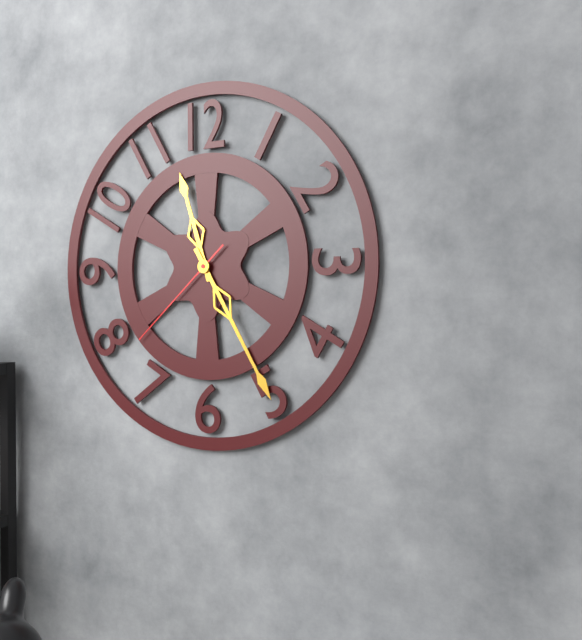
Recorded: h=11 m=25 s=38
